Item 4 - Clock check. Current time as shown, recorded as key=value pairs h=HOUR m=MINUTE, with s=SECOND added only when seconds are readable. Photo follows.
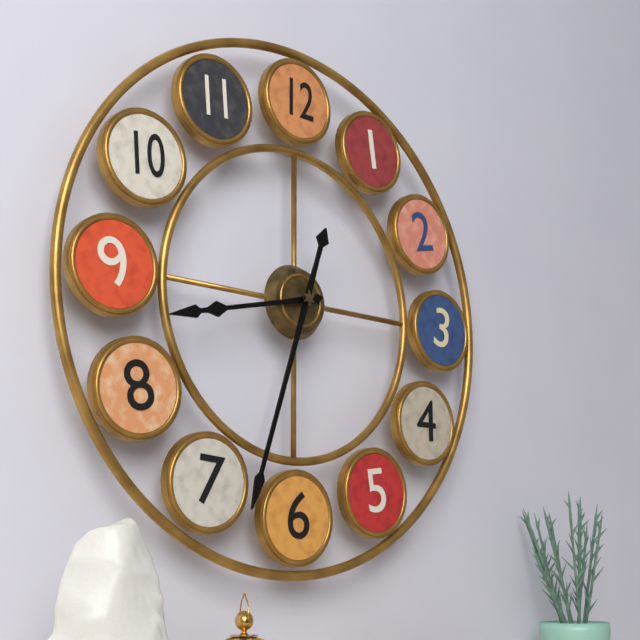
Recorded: h=8 m=33
